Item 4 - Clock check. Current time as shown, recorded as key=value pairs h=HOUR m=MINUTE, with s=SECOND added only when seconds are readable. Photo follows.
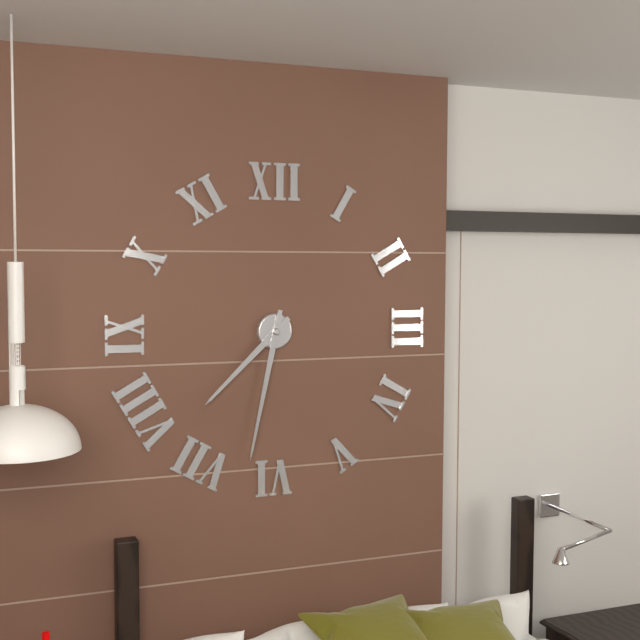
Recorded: h=7 m=32
